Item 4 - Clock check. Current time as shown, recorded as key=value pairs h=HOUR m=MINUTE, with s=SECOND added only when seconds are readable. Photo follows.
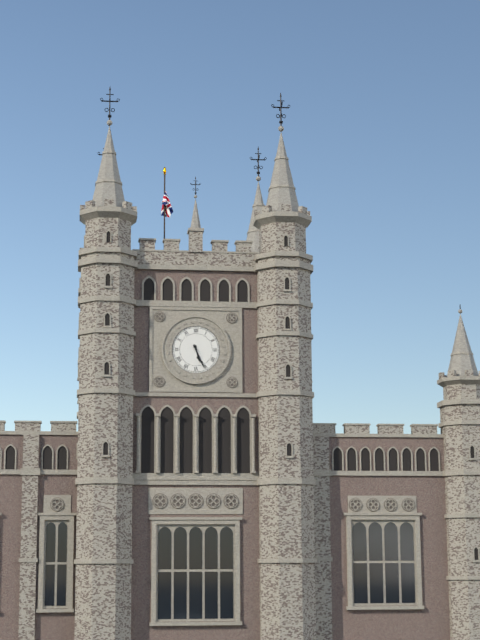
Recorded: h=5 m=26
